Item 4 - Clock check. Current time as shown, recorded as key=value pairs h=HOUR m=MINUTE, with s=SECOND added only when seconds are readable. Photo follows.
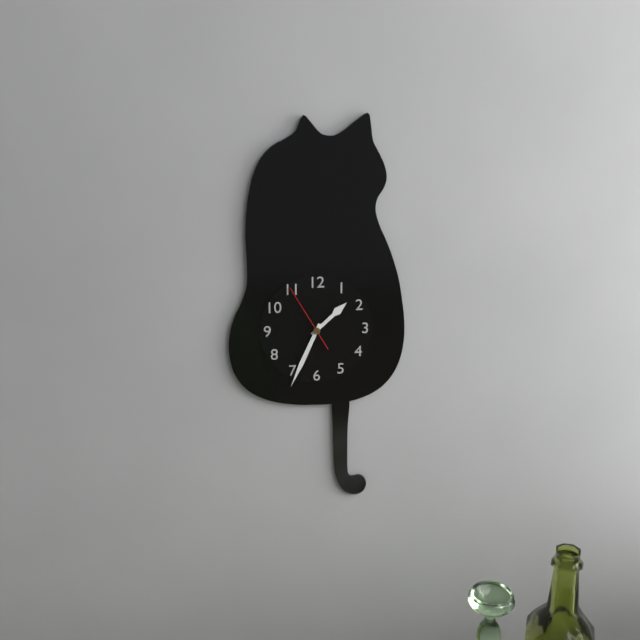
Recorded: h=1 m=34 s=55
